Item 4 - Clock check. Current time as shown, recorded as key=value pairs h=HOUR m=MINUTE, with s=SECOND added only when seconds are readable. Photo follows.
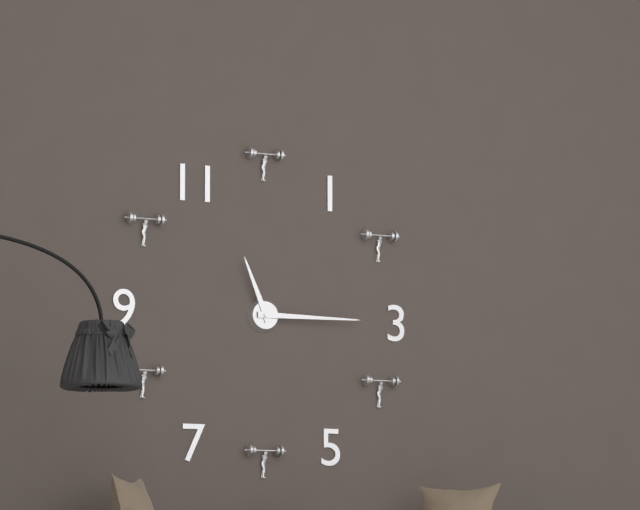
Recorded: h=11 m=15
